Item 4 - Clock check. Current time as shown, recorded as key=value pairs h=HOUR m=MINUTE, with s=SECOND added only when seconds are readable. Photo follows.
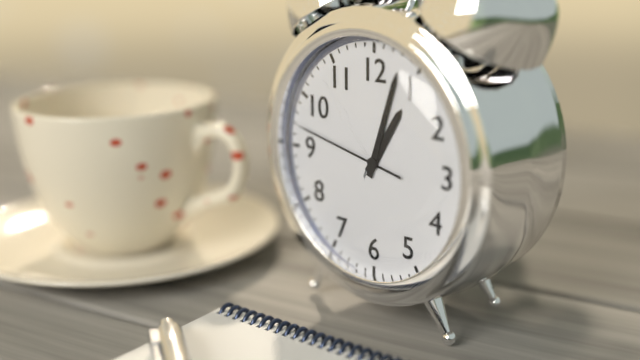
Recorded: h=1 m=3 s=47
